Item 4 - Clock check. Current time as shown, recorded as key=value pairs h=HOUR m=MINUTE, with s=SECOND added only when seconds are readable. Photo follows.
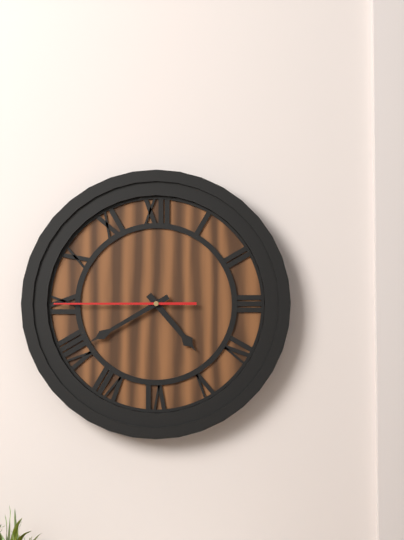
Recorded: h=4 m=40 s=45
